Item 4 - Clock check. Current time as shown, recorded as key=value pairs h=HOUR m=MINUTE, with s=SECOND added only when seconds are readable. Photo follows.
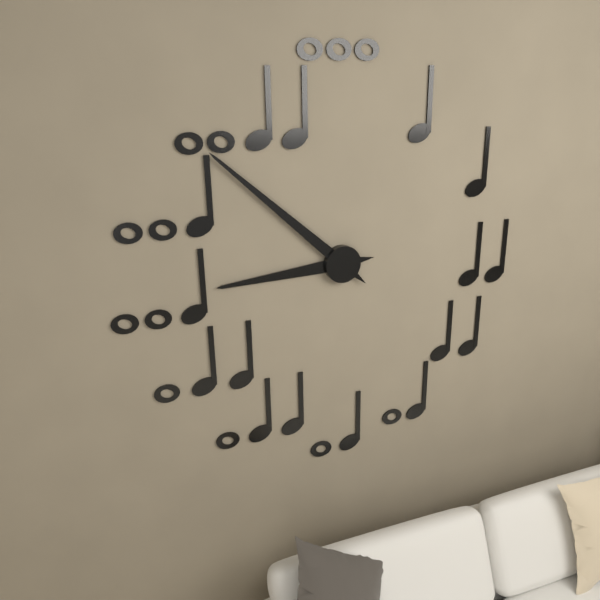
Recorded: h=8 m=52
